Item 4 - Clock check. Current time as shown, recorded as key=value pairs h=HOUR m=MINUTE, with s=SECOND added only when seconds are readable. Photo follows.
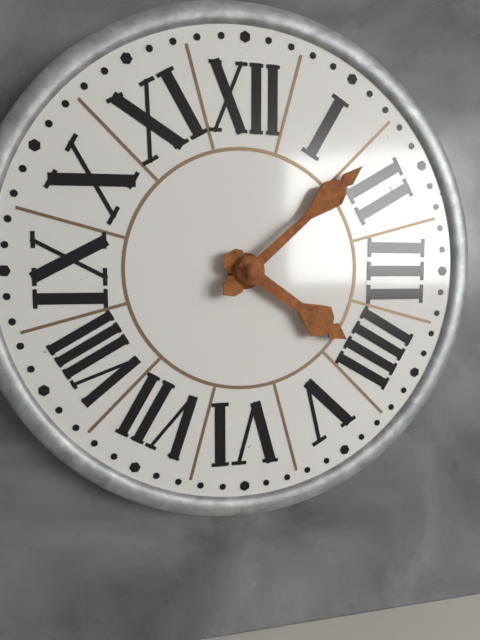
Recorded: h=4 m=8
